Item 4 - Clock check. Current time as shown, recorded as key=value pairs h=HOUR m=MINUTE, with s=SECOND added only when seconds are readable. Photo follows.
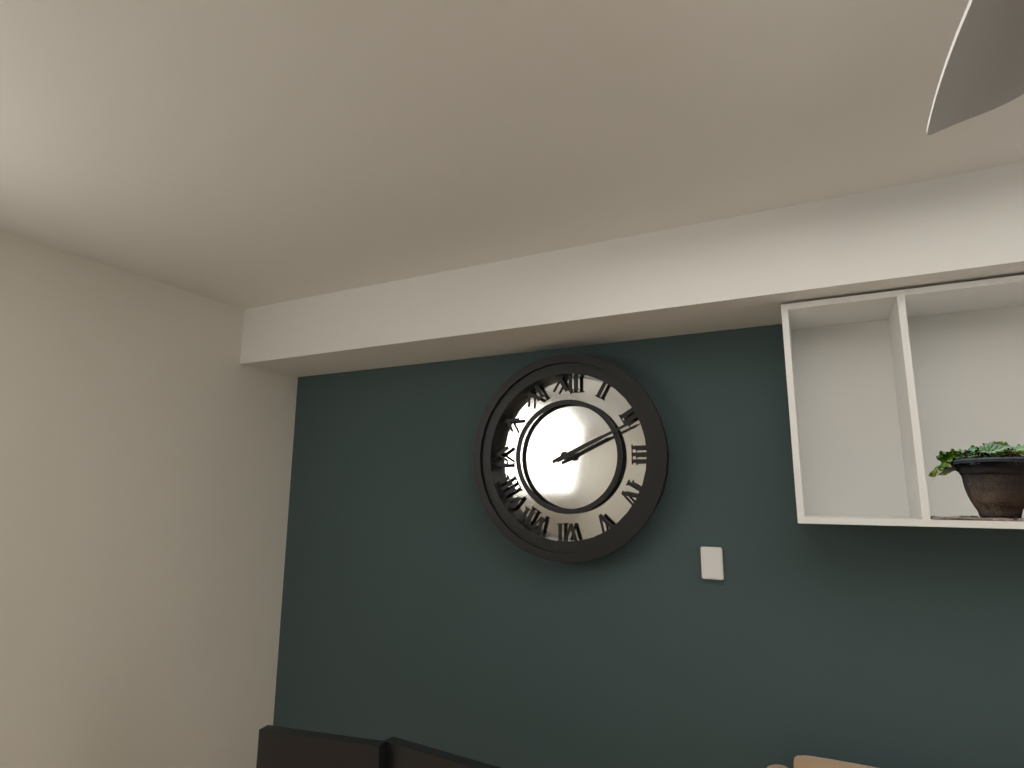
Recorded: h=2 m=11
